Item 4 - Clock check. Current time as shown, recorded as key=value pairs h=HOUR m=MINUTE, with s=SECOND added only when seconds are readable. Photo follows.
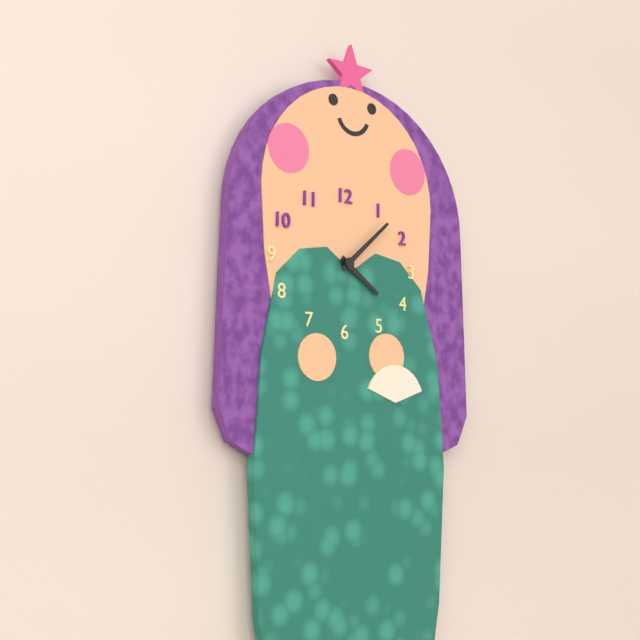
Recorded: h=4 m=8
